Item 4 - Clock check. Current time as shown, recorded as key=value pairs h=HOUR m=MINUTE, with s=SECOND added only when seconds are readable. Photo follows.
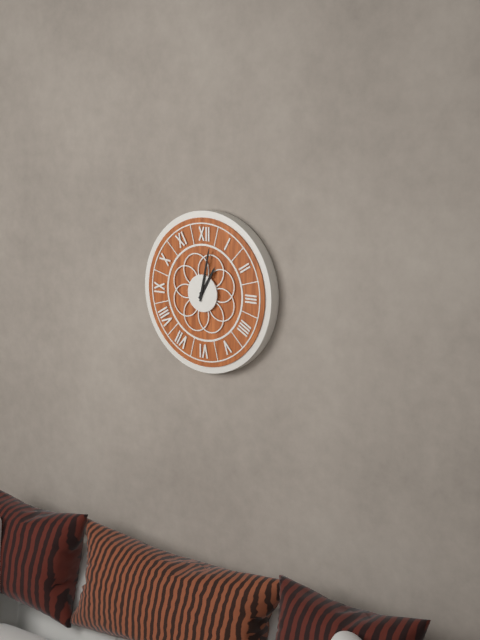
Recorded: h=1 m=2
